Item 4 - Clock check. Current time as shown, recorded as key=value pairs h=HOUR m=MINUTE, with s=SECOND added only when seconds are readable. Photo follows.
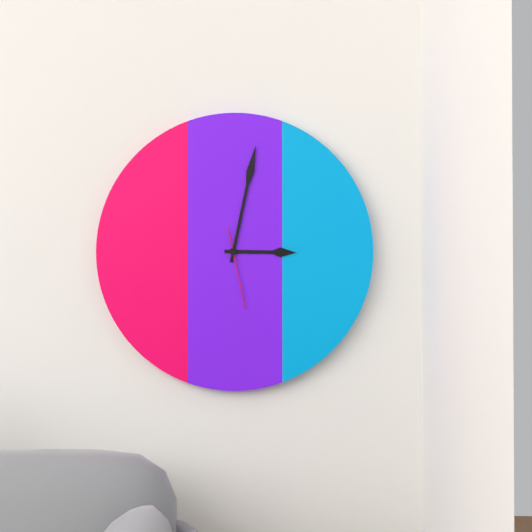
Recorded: h=3 m=2 s=28
